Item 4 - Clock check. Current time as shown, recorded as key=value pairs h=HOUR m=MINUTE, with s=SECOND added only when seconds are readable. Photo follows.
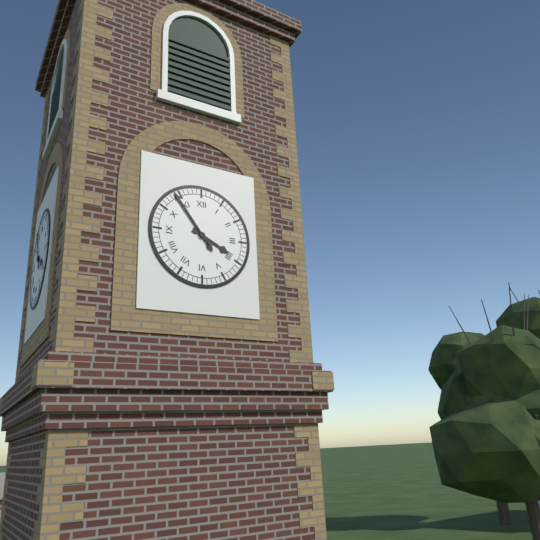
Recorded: h=3 m=54
